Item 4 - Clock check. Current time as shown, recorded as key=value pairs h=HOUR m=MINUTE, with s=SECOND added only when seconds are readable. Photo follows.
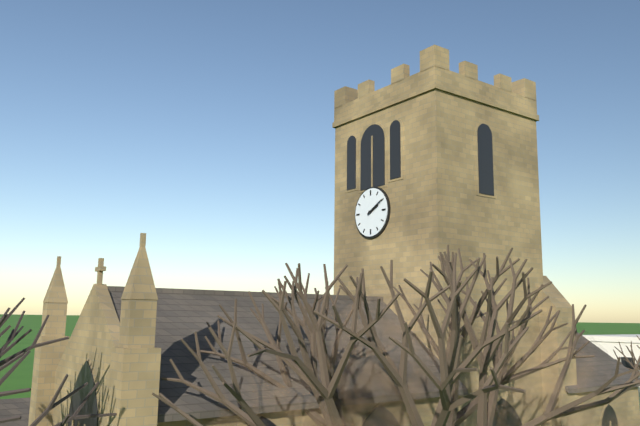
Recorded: h=2 m=10
